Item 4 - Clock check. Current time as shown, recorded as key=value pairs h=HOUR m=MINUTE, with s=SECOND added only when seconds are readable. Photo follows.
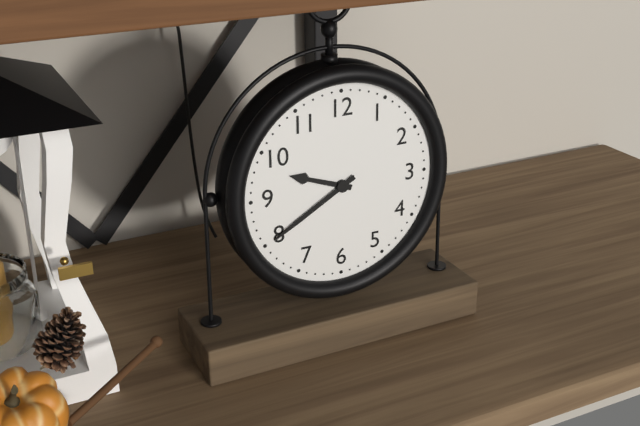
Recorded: h=9 m=40
